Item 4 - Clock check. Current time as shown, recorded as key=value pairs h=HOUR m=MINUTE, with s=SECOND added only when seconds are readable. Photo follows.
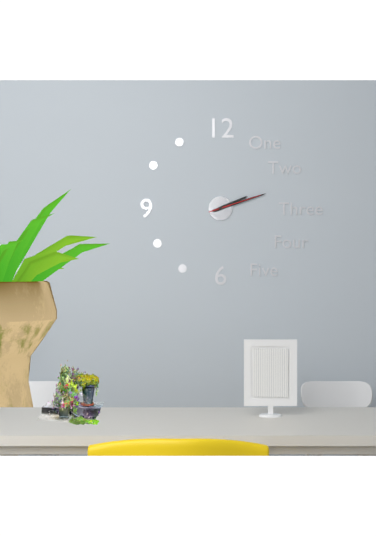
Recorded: h=2 m=12 s=12
